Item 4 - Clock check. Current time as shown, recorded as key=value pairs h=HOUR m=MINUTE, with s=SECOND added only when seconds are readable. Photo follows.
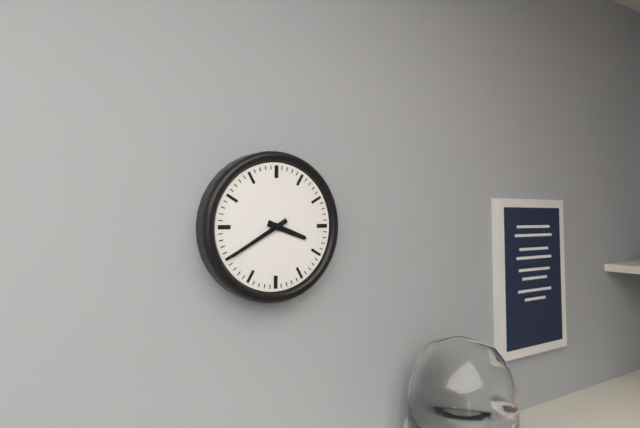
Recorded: h=3 m=40
